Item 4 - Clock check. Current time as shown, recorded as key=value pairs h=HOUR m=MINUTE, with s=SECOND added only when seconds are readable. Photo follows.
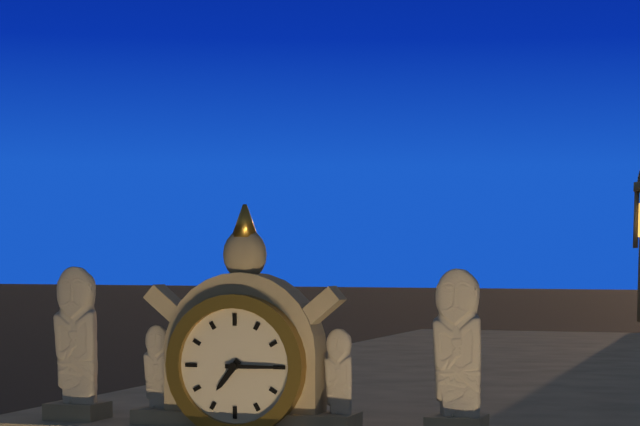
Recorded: h=7 m=15
